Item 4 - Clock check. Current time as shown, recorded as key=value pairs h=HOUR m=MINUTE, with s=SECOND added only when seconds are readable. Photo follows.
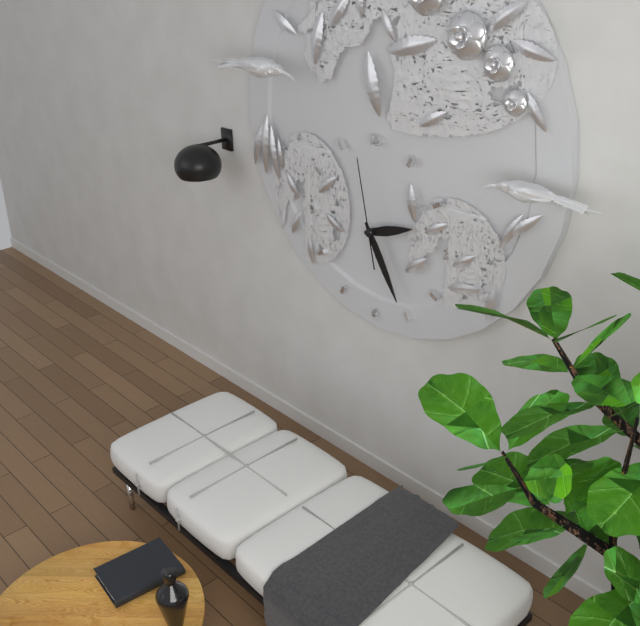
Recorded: h=2 m=25 s=58
